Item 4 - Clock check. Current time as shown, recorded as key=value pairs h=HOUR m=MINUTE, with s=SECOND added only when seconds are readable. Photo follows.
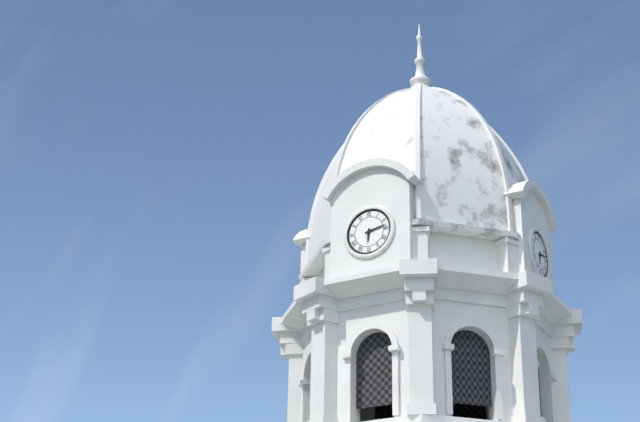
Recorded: h=6 m=13
